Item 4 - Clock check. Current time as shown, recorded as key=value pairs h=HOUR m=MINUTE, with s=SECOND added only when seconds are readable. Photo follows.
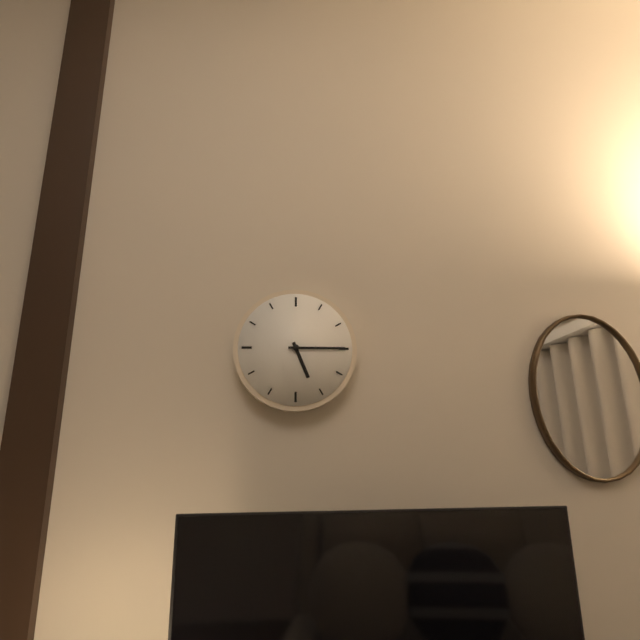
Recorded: h=5 m=15
